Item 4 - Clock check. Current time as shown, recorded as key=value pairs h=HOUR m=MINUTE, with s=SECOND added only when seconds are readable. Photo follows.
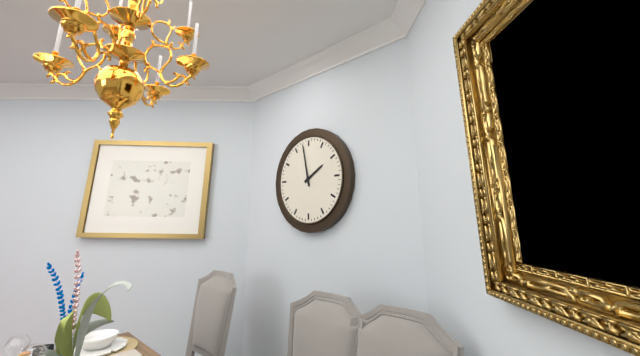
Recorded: h=1 m=58
